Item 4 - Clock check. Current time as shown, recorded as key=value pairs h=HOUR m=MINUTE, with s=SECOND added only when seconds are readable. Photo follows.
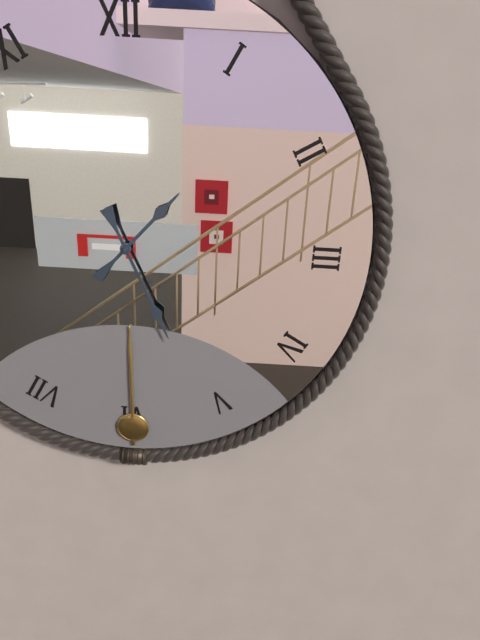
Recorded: h=1 m=26
